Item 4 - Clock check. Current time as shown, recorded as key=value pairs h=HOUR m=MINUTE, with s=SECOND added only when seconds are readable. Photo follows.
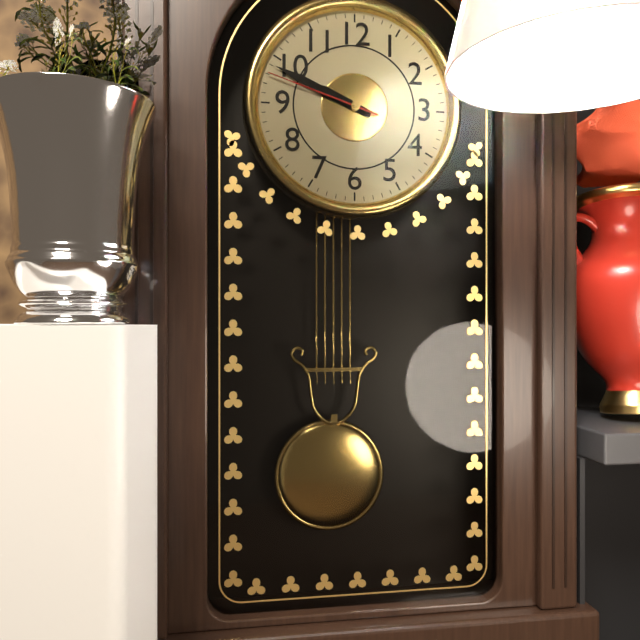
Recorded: h=9 m=49 s=48
